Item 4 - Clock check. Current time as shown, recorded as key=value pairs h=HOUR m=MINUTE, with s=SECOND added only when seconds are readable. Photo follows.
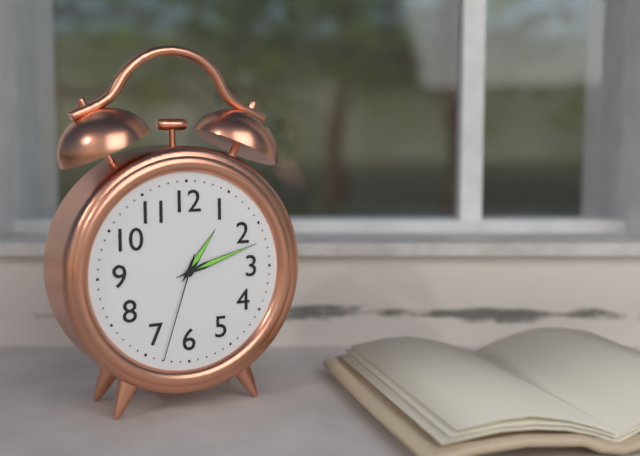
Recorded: h=1 m=12 s=33
